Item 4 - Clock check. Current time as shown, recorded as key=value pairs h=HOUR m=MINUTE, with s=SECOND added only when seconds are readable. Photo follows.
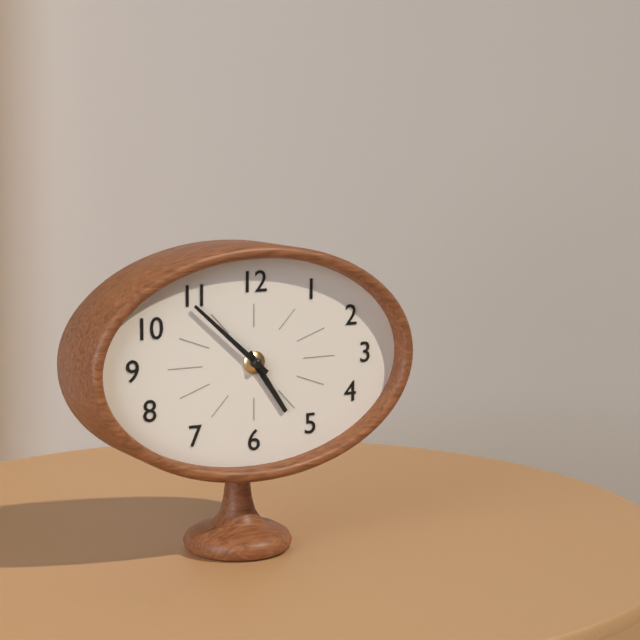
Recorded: h=4 m=52
